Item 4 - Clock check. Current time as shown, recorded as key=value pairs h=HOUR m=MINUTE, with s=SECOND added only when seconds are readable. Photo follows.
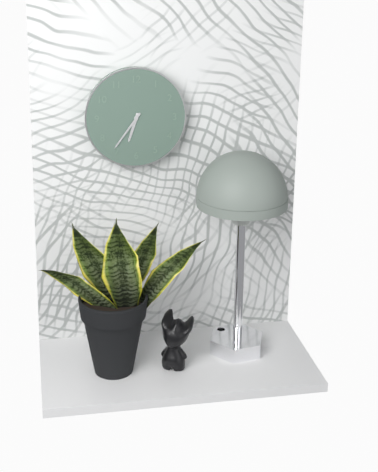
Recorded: h=6 m=36
